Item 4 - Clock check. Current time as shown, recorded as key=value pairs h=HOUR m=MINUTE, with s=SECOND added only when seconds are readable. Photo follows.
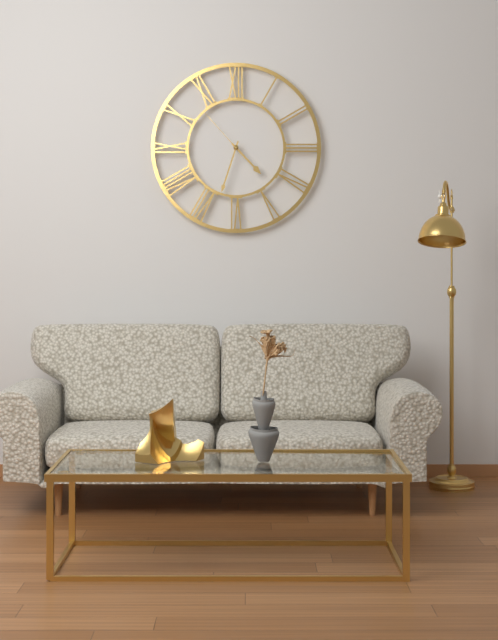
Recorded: h=4 m=33 s=53
